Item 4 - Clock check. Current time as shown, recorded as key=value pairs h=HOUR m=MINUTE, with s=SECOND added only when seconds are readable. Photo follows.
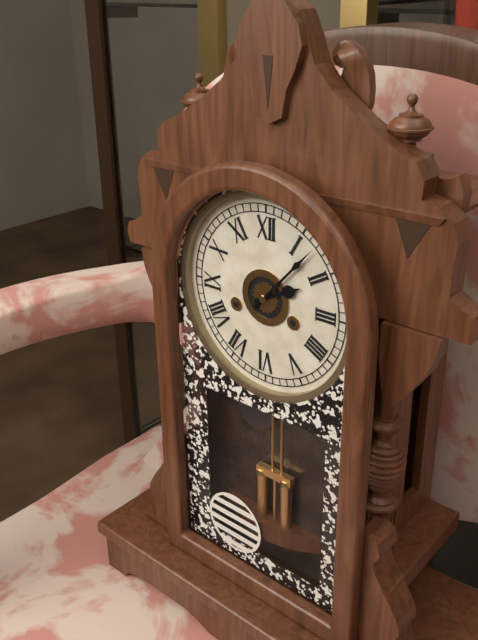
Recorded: h=2 m=7
